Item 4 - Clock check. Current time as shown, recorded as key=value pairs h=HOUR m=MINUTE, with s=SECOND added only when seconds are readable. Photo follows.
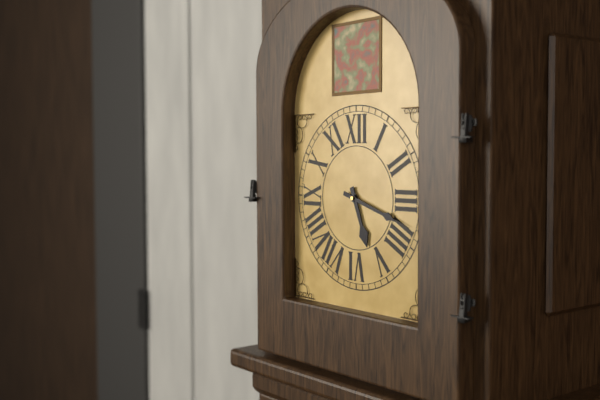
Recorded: h=5 m=18
